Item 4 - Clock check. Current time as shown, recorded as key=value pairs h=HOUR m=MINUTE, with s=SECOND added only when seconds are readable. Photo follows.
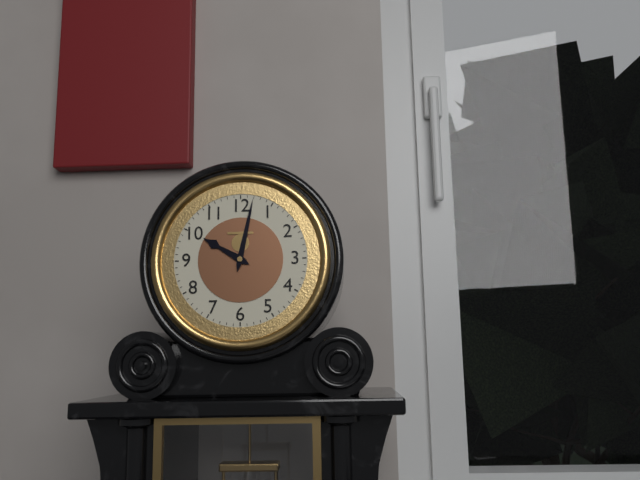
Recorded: h=10 m=2
